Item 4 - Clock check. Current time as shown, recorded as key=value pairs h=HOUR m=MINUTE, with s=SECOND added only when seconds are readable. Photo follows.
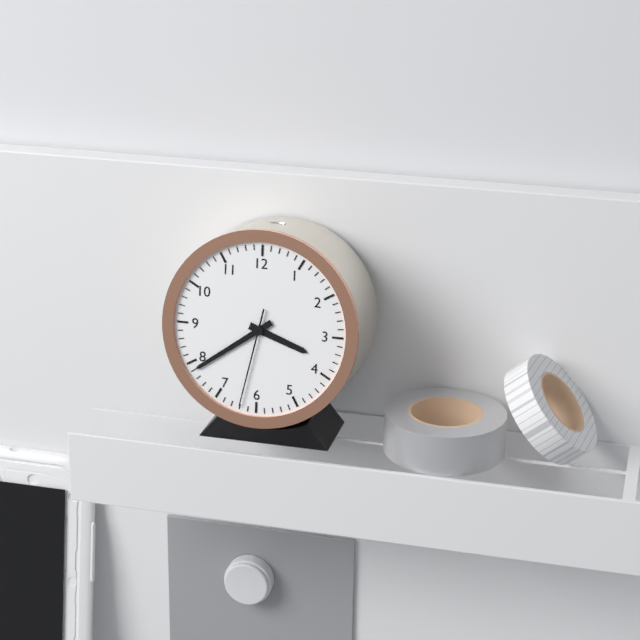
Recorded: h=3 m=39 s=32
